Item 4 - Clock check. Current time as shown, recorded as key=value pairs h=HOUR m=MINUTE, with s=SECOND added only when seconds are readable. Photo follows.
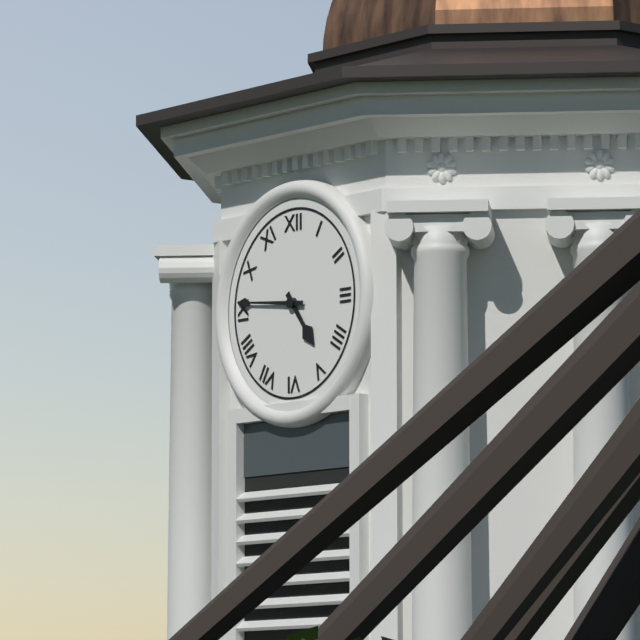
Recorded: h=4 m=46
